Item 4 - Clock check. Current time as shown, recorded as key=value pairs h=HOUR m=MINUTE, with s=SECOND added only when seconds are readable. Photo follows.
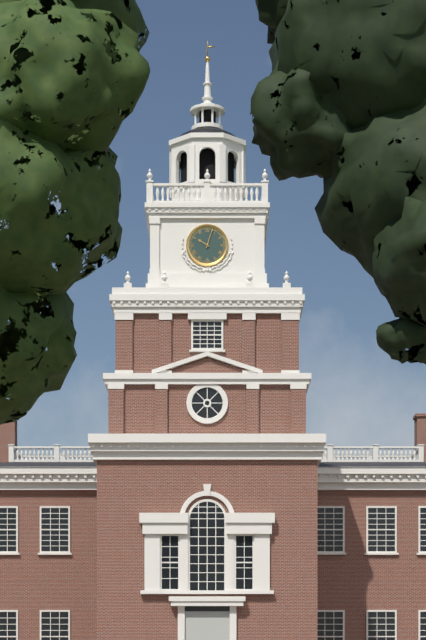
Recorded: h=10 m=3
